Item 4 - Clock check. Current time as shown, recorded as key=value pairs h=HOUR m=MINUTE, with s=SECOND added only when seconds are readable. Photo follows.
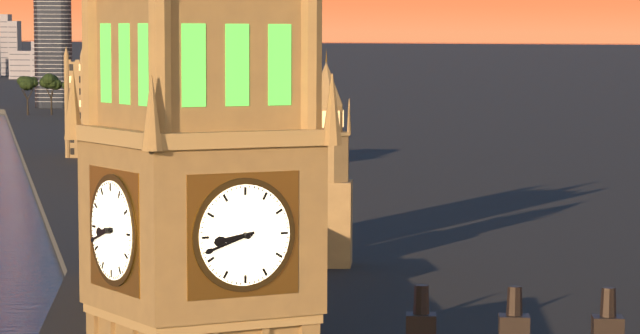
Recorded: h=8 m=42
